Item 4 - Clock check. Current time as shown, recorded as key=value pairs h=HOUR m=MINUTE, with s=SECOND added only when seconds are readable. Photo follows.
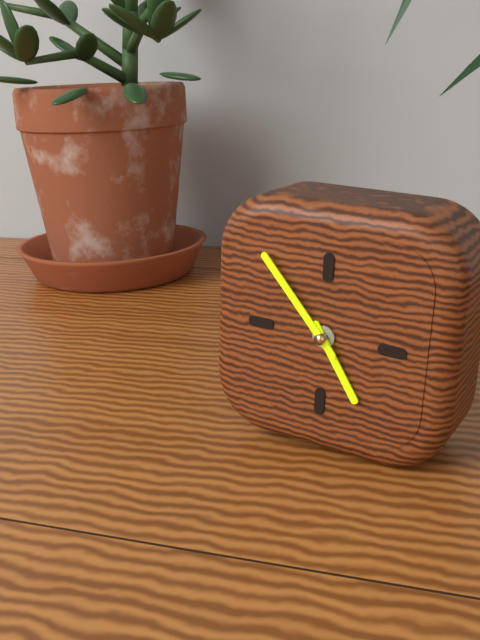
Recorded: h=4 m=53
